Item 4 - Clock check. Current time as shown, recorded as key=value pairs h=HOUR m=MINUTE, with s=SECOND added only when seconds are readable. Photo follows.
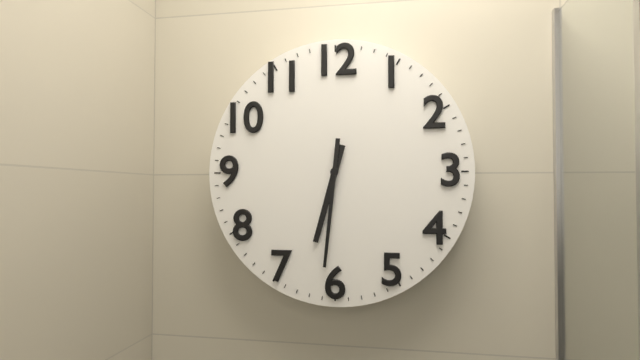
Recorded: h=6 m=31
